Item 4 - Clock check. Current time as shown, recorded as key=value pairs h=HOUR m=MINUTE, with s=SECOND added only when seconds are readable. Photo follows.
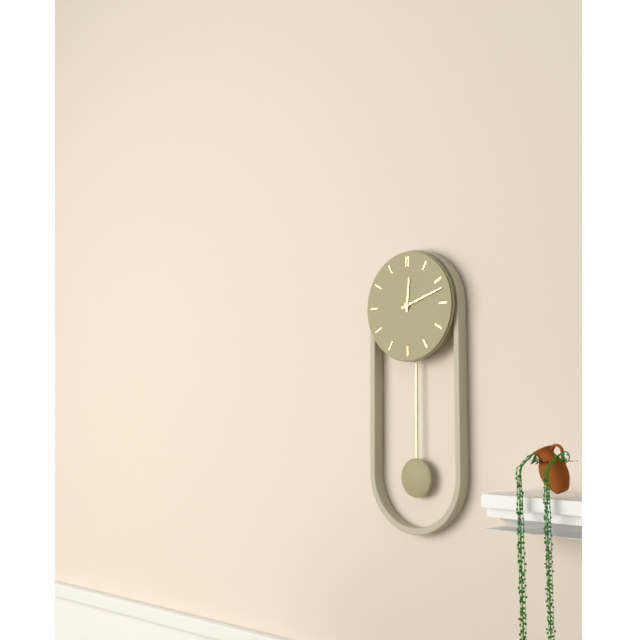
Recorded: h=12 m=12
